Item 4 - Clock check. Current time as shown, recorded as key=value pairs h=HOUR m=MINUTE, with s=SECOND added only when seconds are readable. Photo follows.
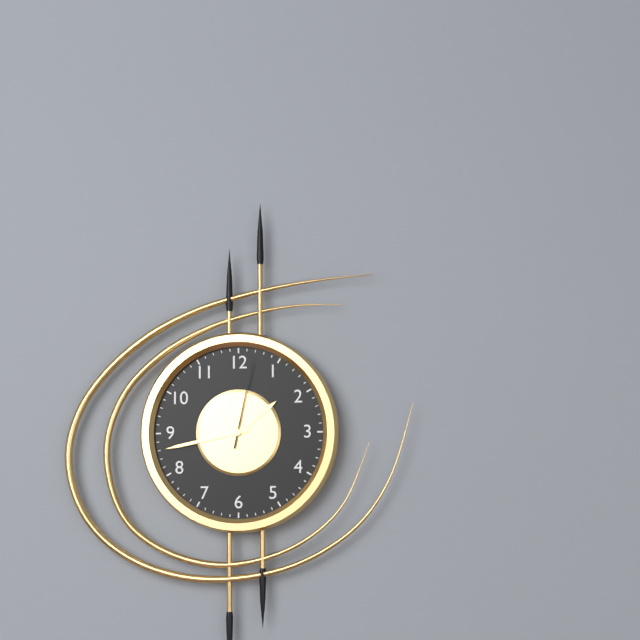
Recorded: h=1 m=43 s=2
